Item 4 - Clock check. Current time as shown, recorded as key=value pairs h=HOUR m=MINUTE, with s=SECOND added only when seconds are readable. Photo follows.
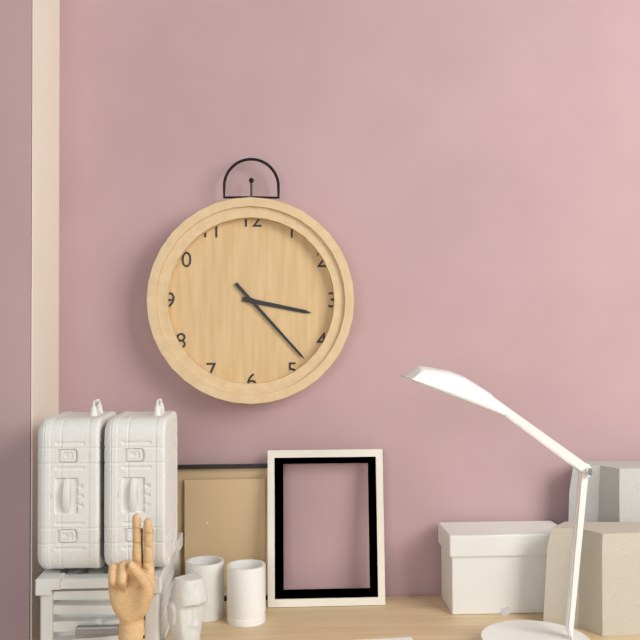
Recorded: h=3 m=23
